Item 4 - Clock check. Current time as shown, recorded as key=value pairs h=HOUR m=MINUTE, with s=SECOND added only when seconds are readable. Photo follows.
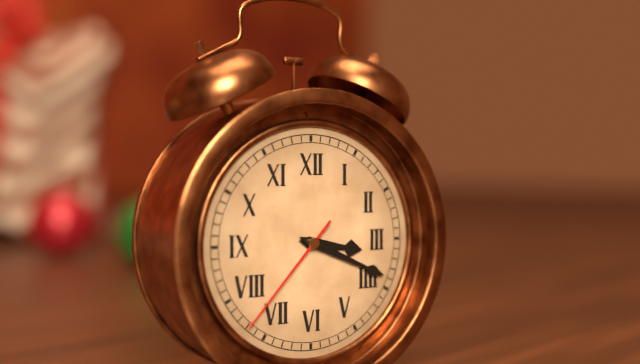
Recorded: h=3 m=19 s=37
